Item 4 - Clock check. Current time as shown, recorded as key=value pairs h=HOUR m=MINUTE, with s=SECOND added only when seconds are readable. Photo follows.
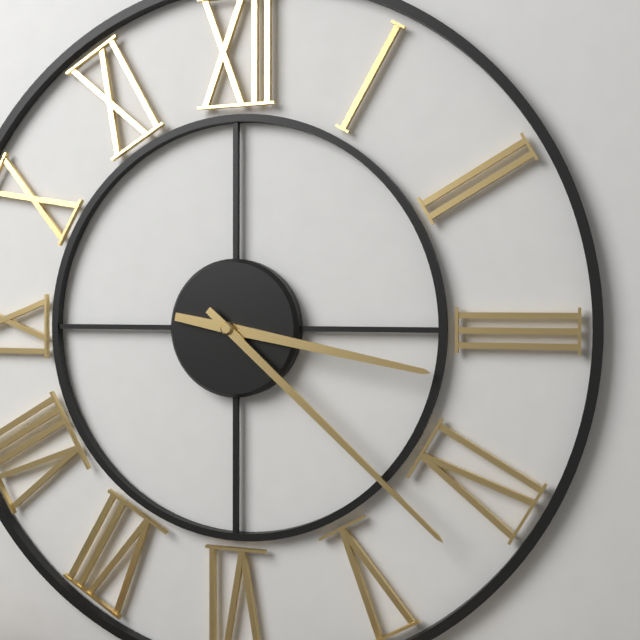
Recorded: h=3 m=22
